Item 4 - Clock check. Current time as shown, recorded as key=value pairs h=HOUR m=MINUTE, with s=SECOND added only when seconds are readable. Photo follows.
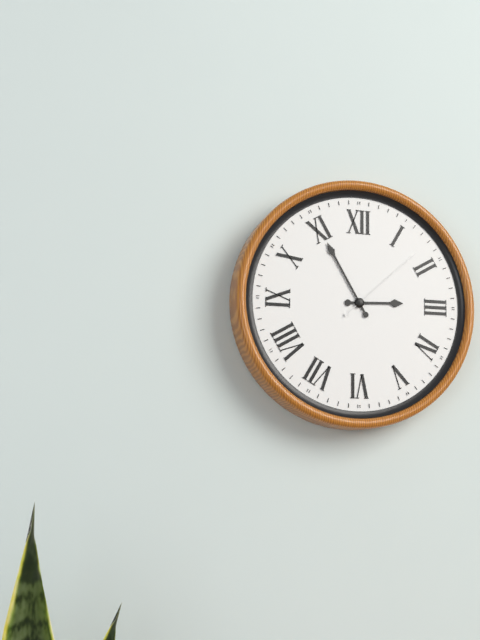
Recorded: h=2 m=55 s=8
